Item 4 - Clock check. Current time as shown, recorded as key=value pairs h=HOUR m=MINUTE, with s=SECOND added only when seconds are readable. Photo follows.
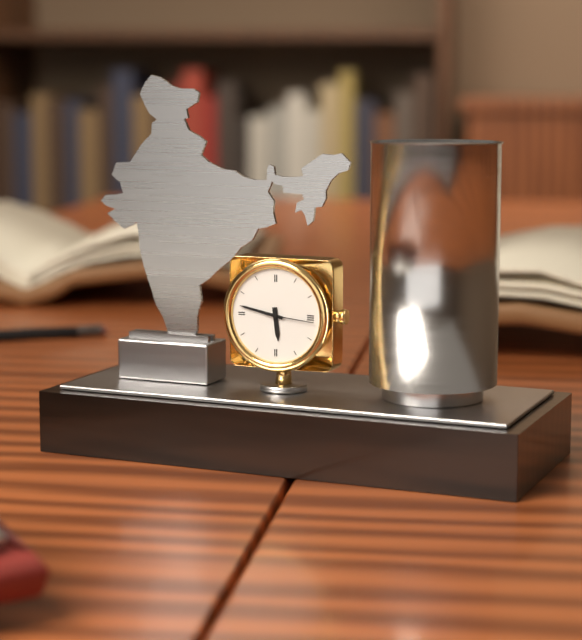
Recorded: h=5 m=47
